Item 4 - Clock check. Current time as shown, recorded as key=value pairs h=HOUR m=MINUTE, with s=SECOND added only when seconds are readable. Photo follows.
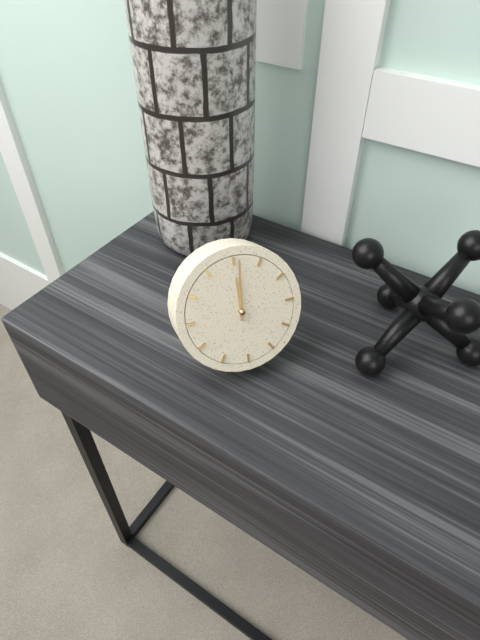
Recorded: h=12 m=1
